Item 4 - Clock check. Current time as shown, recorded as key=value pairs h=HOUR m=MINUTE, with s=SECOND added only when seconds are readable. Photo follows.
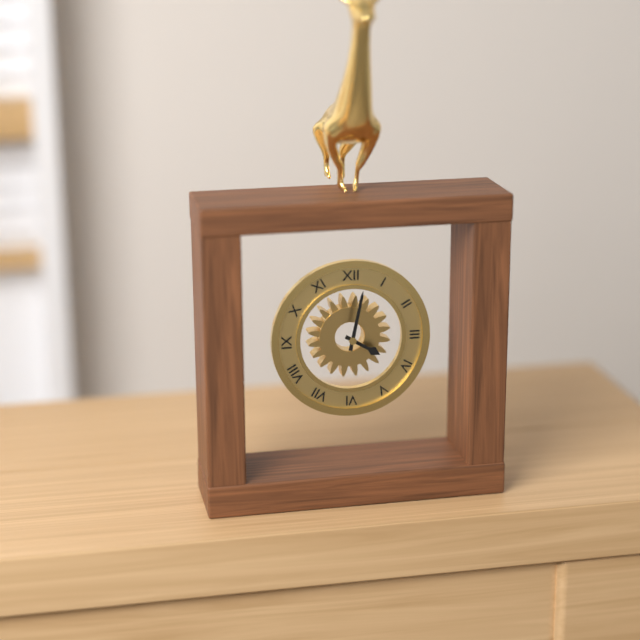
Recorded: h=4 m=2
